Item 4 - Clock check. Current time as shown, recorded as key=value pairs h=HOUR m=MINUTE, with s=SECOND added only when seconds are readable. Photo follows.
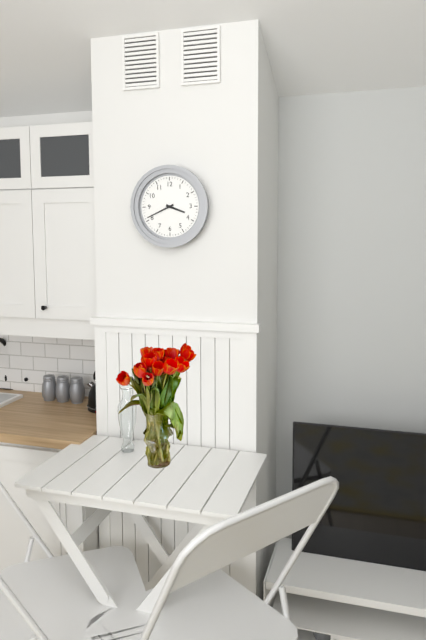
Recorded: h=3 m=41
